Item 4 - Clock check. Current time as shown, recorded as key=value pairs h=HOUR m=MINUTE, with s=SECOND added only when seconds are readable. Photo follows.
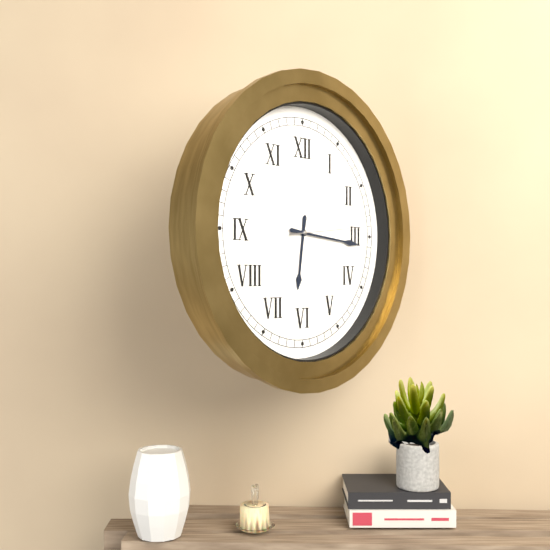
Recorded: h=6 m=16 s=14
